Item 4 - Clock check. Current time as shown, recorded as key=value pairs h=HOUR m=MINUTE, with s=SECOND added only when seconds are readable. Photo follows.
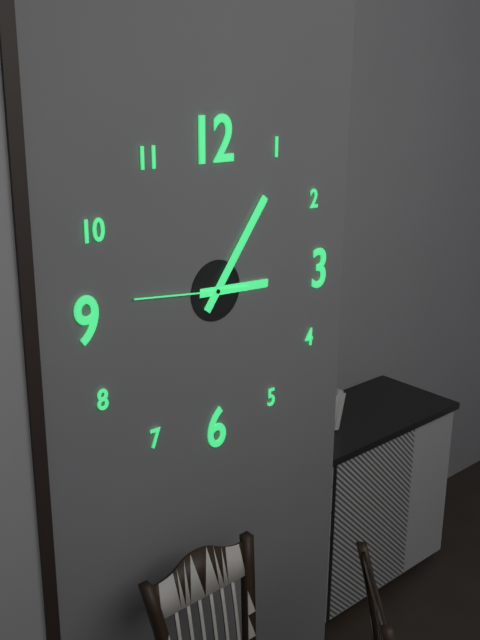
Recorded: h=3 m=6 s=46
